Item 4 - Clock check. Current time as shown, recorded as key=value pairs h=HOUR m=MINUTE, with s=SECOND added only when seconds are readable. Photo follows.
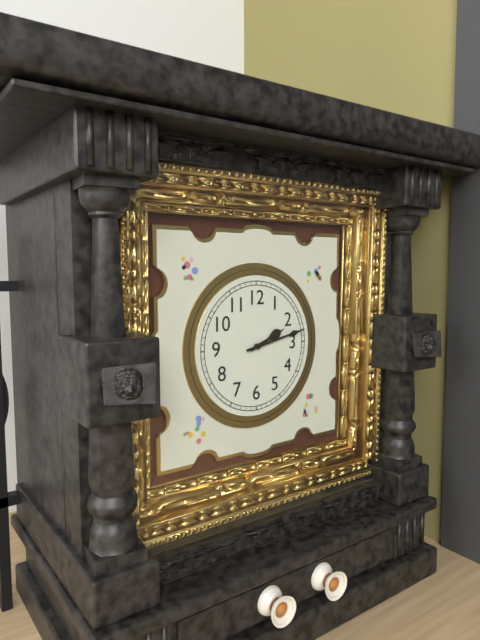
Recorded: h=2 m=13
